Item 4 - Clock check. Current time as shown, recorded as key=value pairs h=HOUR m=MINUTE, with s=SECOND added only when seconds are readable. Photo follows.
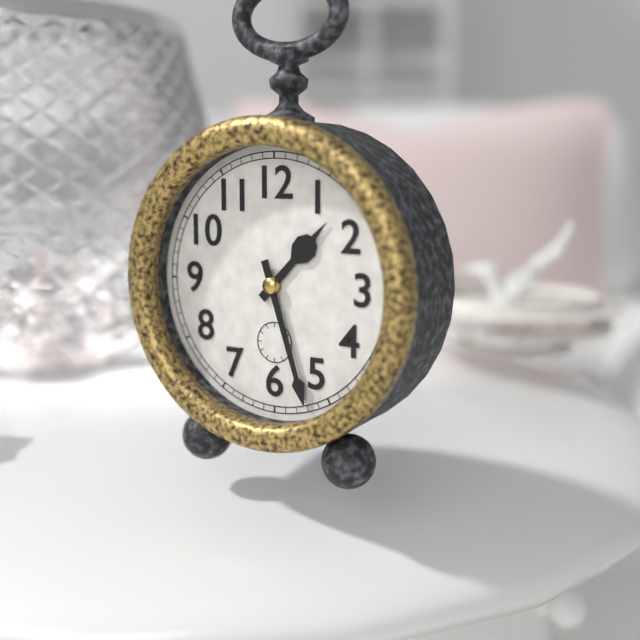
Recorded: h=1 m=27
